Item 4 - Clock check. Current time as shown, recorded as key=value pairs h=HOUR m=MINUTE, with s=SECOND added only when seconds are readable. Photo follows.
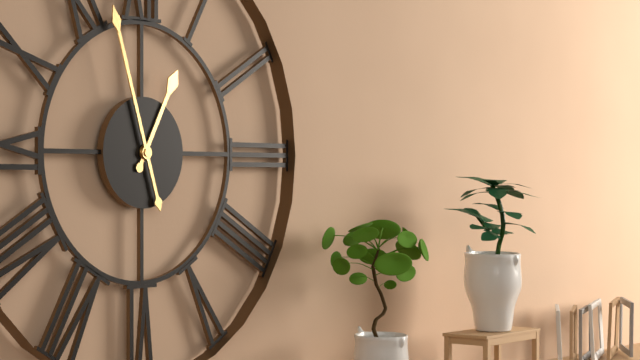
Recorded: h=12 m=57
